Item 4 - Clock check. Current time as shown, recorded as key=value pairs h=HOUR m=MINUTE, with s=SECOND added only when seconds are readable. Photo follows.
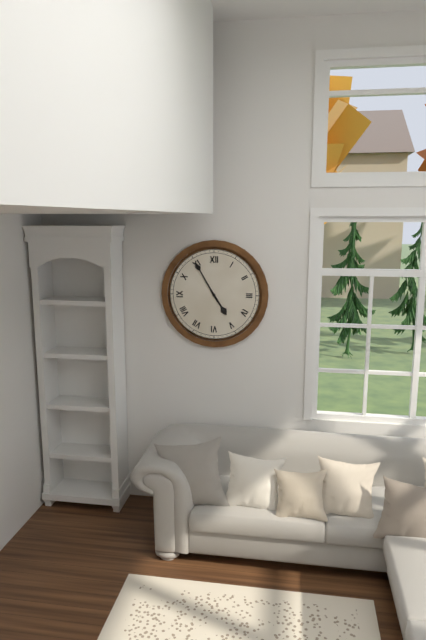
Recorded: h=4 m=55
